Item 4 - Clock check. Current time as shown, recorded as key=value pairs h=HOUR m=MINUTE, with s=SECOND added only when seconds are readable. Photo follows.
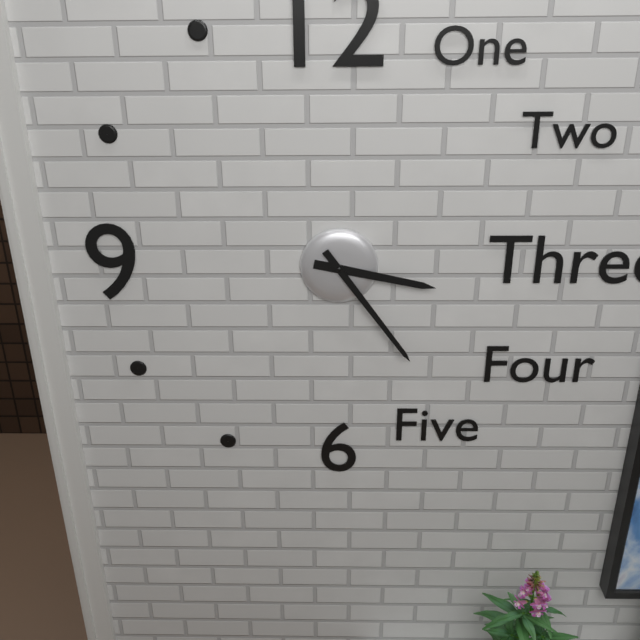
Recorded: h=3 m=24
